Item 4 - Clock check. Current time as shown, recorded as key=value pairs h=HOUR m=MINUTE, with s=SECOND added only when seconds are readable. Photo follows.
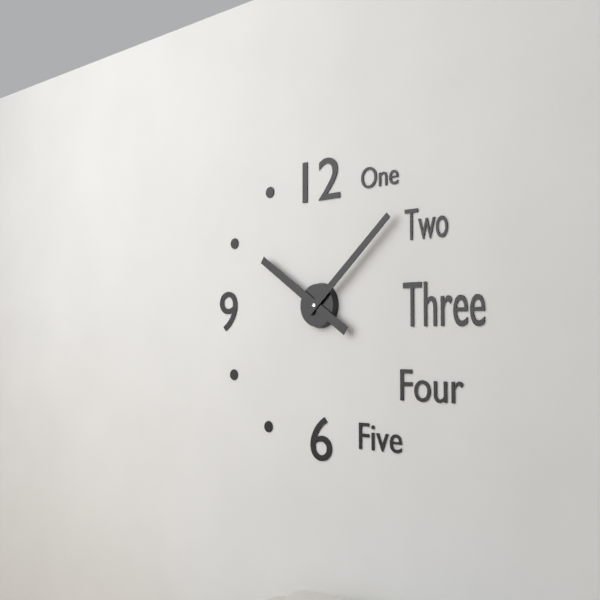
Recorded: h=10 m=8
